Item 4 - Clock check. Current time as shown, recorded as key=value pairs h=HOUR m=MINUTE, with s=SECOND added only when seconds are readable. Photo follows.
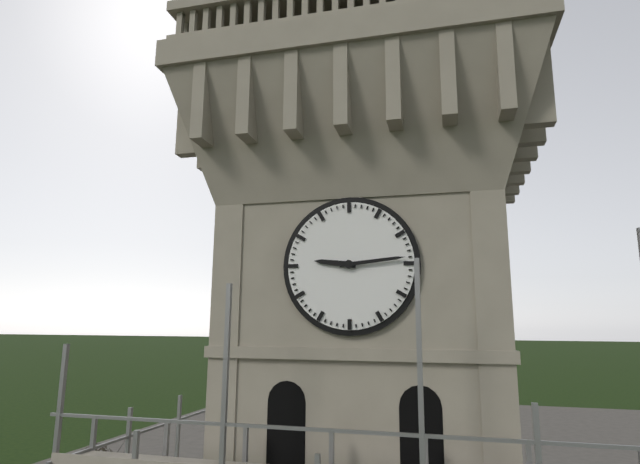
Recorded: h=9 m=14
